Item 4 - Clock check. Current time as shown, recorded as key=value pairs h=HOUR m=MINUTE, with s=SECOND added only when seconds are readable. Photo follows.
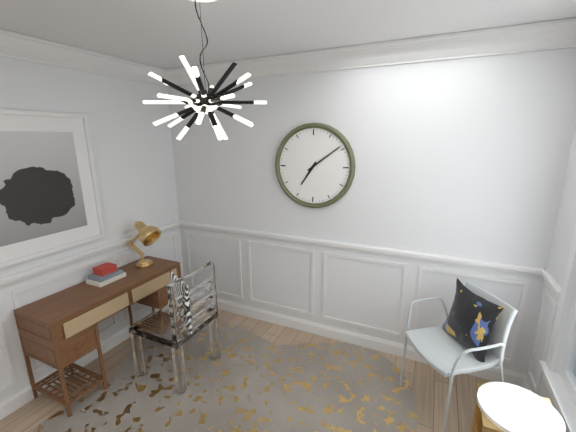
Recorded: h=7 m=9
